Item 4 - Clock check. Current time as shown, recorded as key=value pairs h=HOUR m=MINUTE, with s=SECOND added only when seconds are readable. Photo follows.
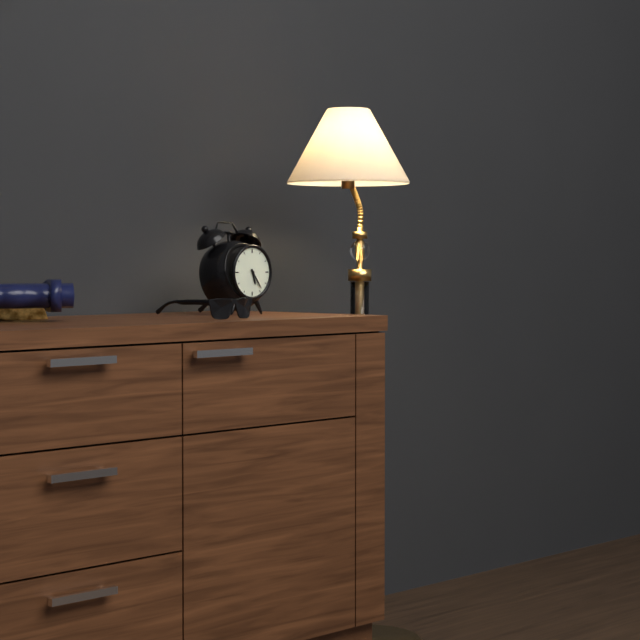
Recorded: h=5 m=24
